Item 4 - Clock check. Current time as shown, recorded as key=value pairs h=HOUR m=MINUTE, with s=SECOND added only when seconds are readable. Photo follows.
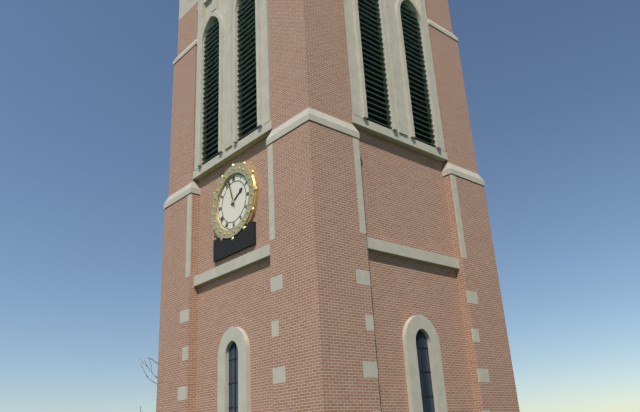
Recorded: h=1 m=57
